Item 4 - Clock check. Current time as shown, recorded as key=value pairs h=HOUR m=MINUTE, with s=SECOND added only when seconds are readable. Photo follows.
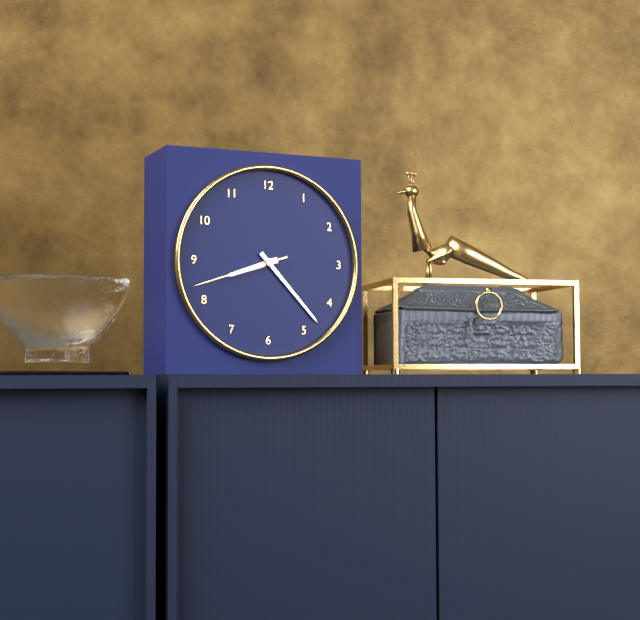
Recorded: h=8 m=23 s=42
